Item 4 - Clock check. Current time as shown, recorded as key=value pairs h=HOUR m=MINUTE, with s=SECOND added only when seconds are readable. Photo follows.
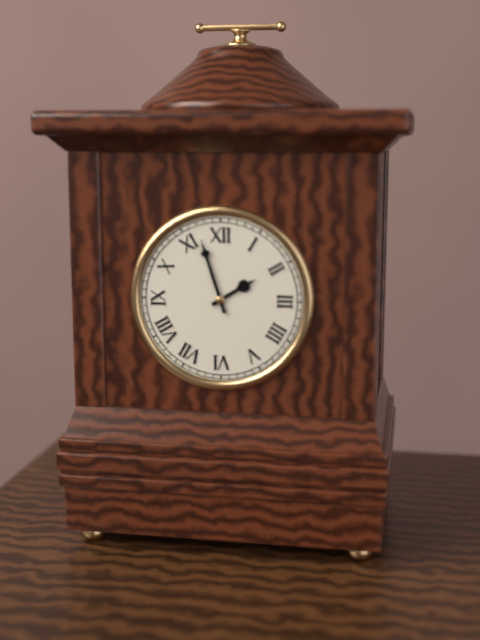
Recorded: h=1 m=57
